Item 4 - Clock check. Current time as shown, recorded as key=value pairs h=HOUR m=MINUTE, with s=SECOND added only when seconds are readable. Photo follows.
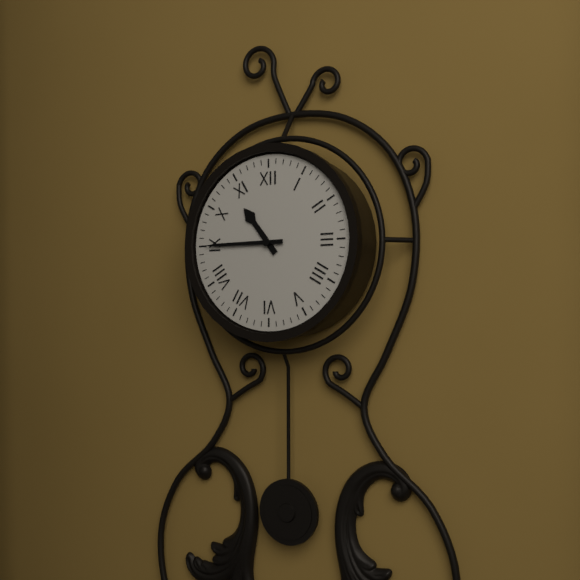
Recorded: h=10 m=45
